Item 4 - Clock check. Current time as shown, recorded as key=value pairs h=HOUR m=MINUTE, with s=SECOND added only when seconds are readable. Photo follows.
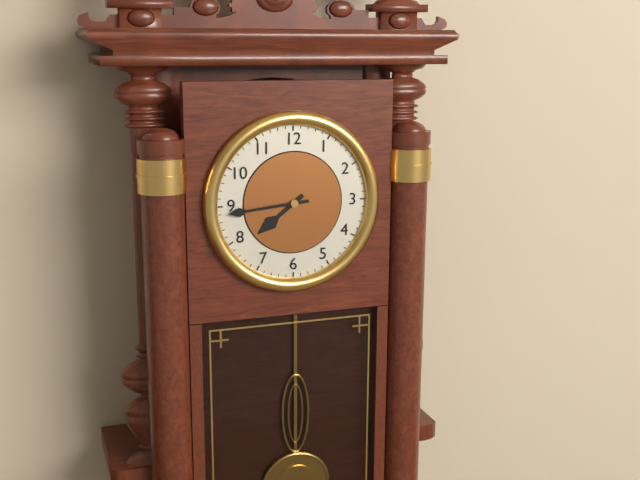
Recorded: h=7 m=44
